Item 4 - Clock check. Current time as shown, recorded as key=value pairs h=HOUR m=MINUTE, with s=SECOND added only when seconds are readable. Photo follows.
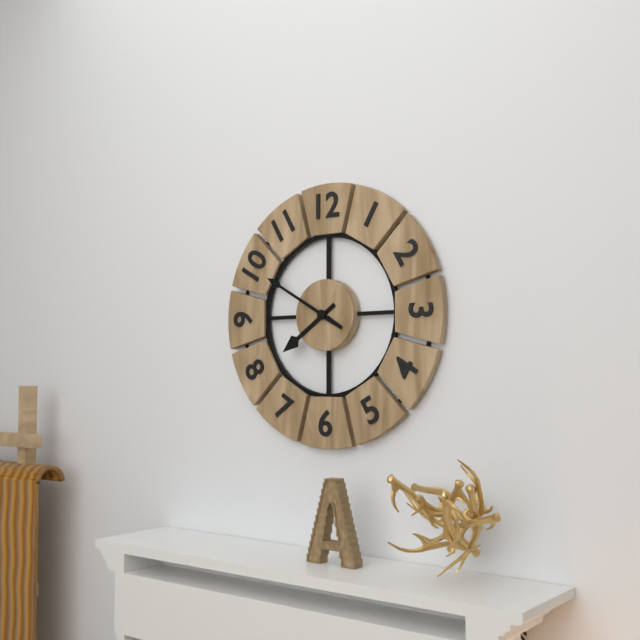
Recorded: h=7 m=50
